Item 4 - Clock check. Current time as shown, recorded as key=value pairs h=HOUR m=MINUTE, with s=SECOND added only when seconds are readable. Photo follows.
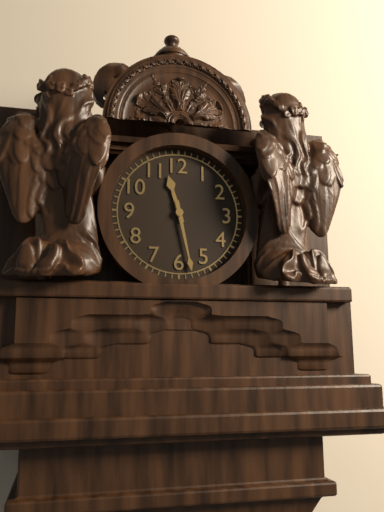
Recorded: h=11 m=28
